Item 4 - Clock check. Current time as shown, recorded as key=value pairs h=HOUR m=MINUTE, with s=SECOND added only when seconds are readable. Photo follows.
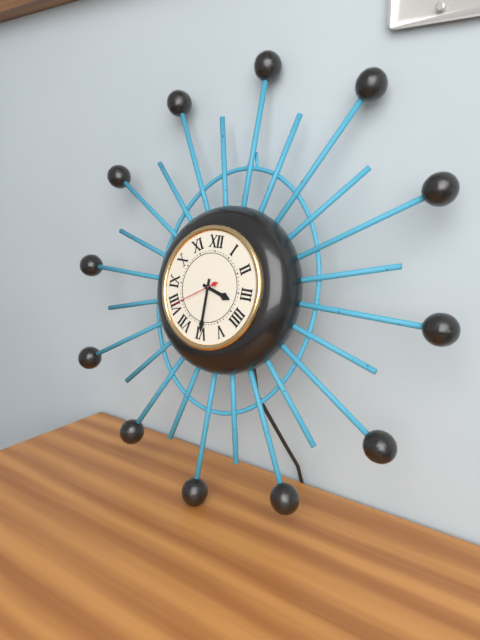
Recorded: h=3 m=30
